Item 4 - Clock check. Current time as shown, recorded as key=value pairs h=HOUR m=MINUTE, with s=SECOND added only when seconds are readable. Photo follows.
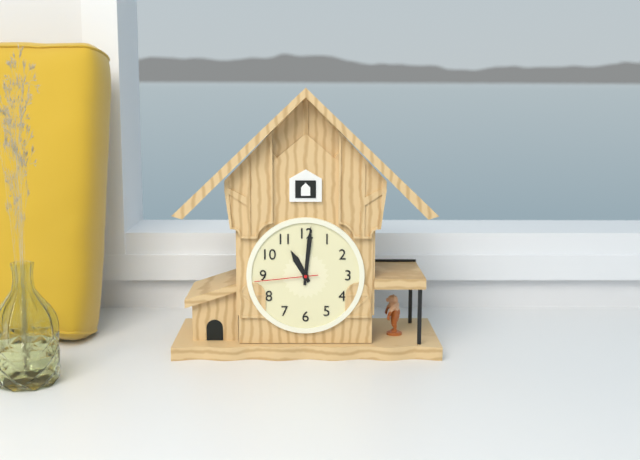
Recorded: h=11 m=1 s=44
